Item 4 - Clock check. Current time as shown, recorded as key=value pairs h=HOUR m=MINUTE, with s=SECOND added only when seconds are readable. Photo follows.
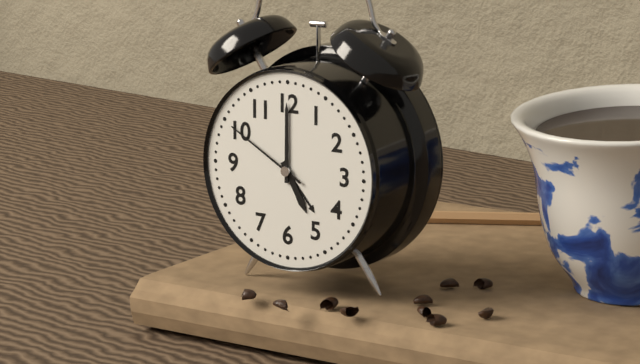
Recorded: h=5 m=0 s=50
